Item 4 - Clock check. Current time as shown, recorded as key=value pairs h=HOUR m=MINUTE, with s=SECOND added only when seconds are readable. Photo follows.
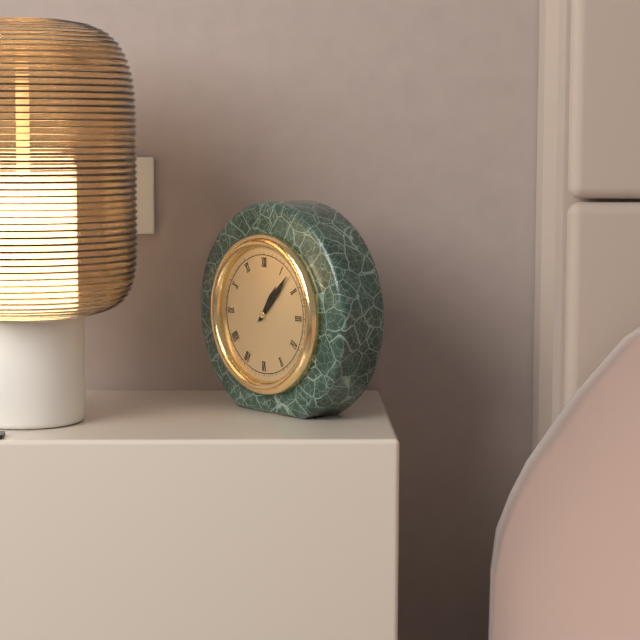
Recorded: h=1 m=7
